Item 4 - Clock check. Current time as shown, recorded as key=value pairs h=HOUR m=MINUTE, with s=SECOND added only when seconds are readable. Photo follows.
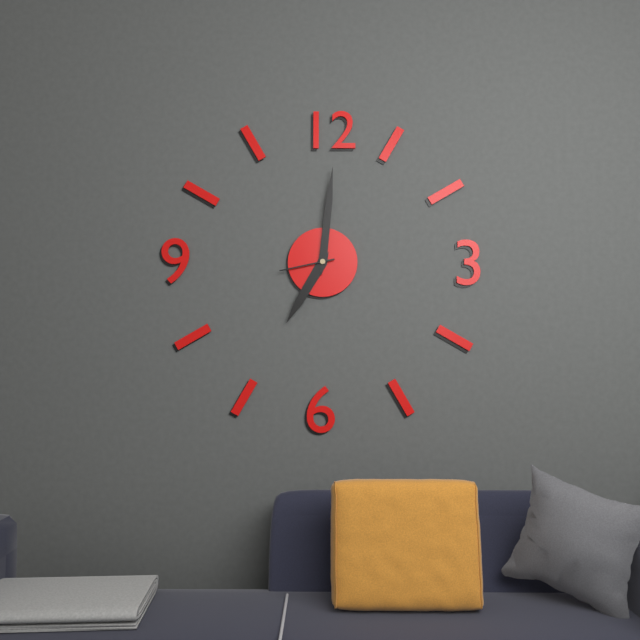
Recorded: h=7 m=1 s=43
